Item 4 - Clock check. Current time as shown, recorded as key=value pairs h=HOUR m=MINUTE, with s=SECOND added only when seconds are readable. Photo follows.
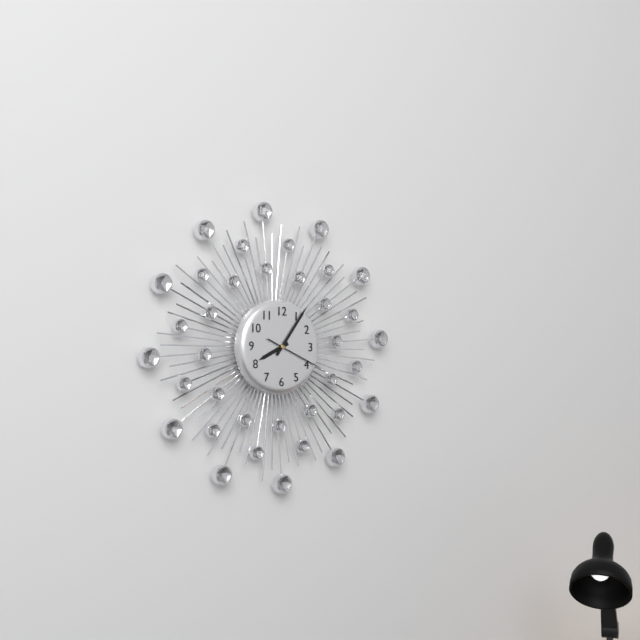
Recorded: h=8 m=6 s=19
